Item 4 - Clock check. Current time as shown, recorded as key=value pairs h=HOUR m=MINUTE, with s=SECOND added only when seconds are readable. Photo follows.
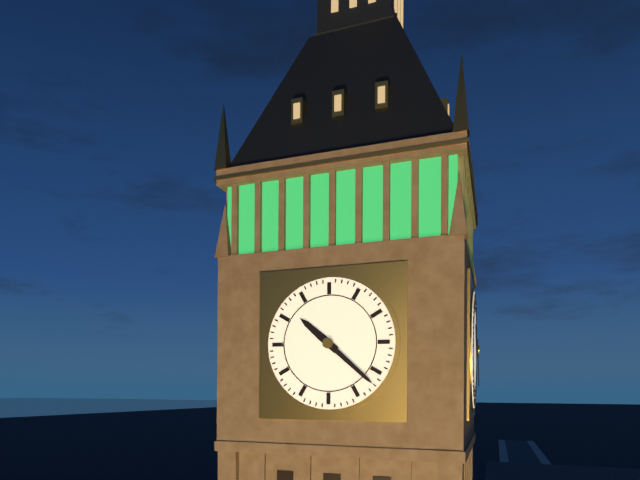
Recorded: h=10 m=22
